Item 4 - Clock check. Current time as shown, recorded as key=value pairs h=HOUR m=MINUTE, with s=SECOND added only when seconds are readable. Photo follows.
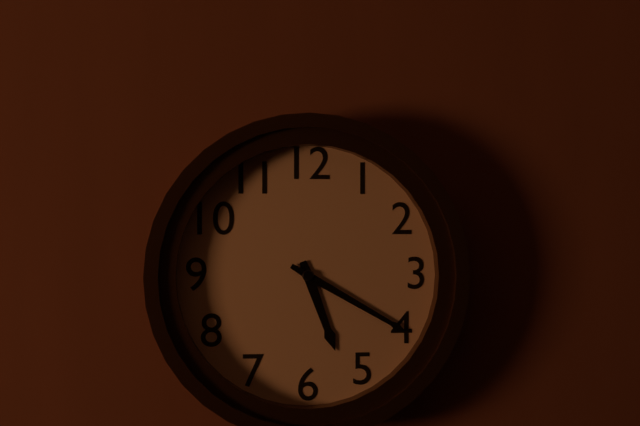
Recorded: h=5 m=20
